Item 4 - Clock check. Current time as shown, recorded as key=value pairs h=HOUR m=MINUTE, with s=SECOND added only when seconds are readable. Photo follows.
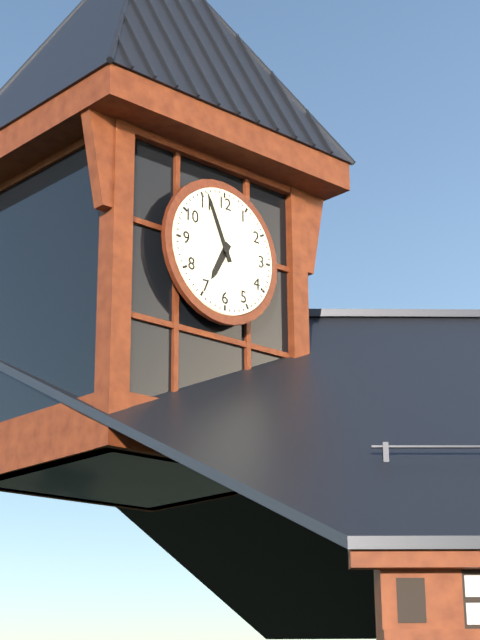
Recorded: h=6 m=56
